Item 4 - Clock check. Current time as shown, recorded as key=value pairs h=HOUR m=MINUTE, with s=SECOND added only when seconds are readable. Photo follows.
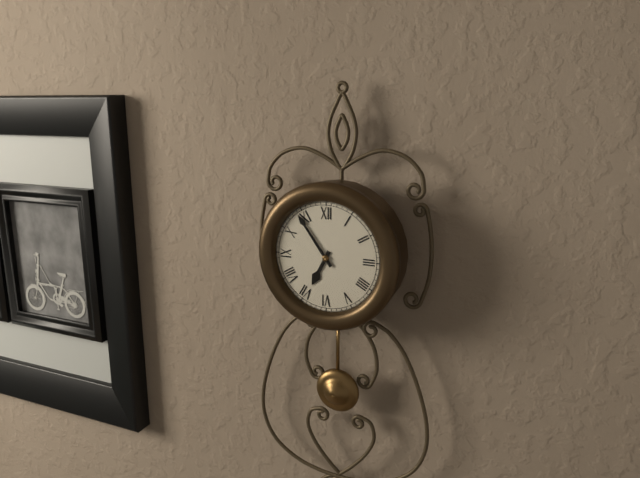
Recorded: h=6 m=54
